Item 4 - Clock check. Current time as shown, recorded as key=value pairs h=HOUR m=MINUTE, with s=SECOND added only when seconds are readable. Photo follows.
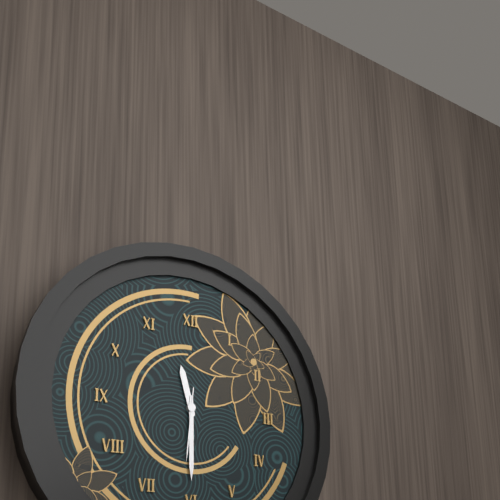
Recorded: h=11 m=30 s=31
